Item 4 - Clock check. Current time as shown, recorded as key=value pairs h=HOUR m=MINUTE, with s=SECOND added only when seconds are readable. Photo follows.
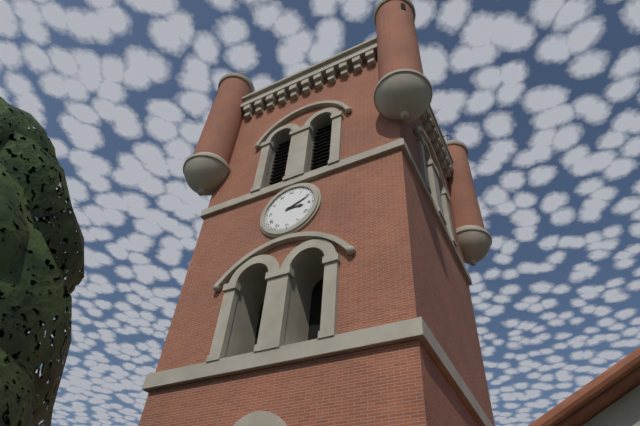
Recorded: h=3 m=11
